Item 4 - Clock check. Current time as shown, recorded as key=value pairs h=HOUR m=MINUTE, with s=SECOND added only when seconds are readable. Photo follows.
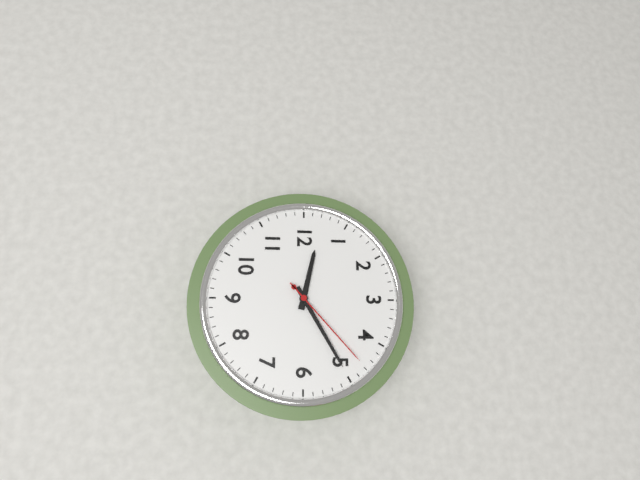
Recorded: h=12 m=25 s=23
